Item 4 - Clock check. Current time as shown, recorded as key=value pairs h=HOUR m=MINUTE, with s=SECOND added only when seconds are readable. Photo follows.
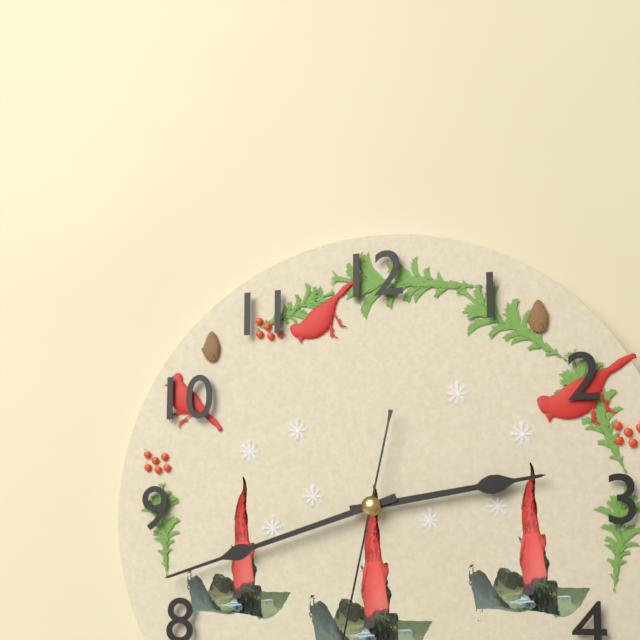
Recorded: h=2 m=42
